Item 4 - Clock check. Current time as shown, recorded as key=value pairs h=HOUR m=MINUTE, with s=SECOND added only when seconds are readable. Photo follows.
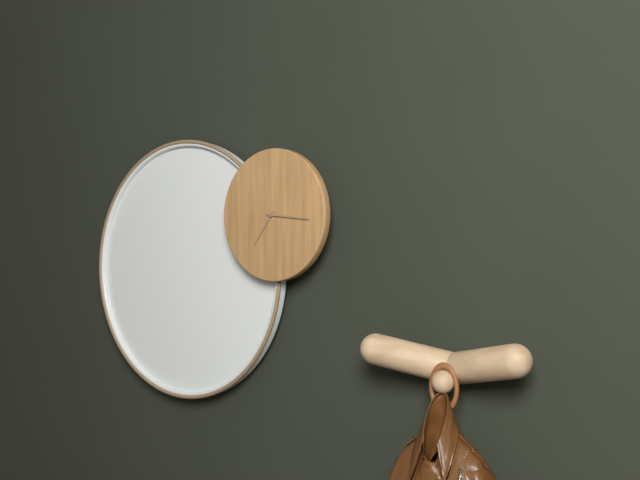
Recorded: h=7 m=16
